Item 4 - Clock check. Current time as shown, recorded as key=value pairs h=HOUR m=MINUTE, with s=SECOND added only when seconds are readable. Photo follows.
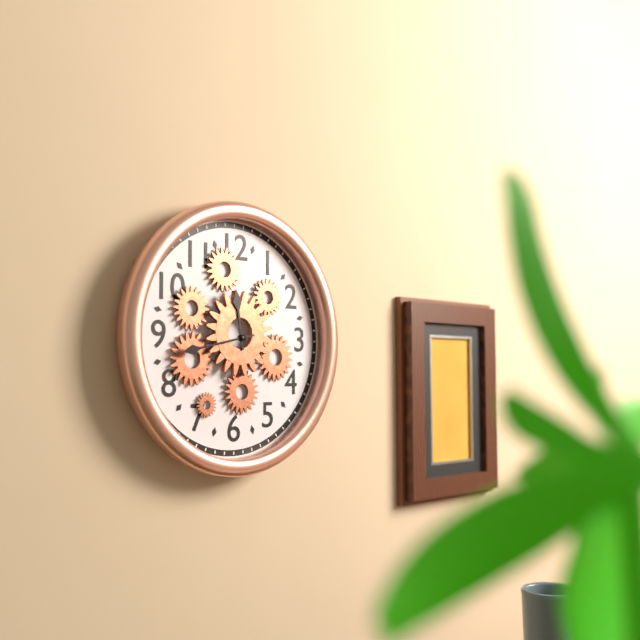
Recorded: h=11 m=43
